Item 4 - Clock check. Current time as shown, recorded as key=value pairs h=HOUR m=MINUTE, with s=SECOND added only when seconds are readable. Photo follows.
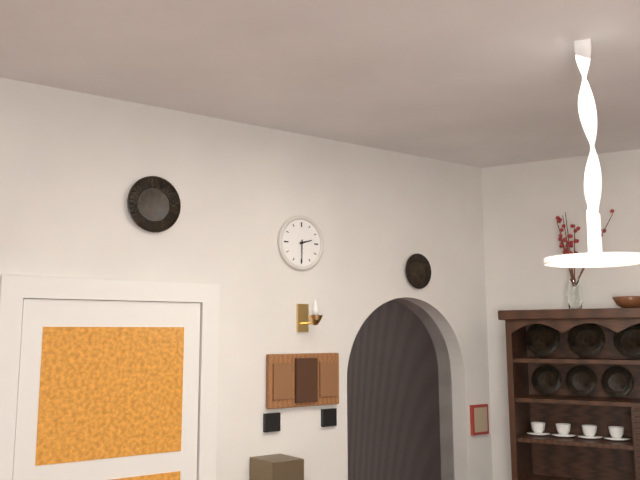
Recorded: h=2 m=30
